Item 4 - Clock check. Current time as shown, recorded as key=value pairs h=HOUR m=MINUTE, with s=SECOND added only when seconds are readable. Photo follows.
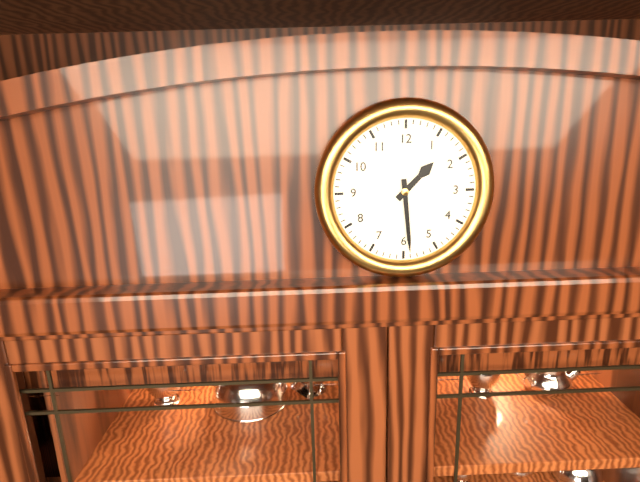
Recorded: h=1 m=29
